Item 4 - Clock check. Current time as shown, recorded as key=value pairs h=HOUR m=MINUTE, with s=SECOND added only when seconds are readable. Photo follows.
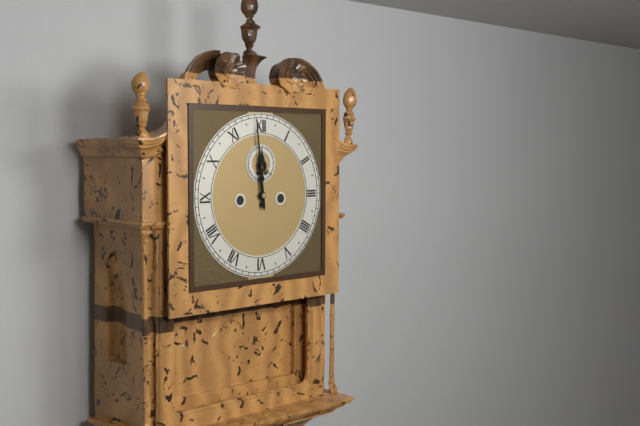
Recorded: h=11 m=59
